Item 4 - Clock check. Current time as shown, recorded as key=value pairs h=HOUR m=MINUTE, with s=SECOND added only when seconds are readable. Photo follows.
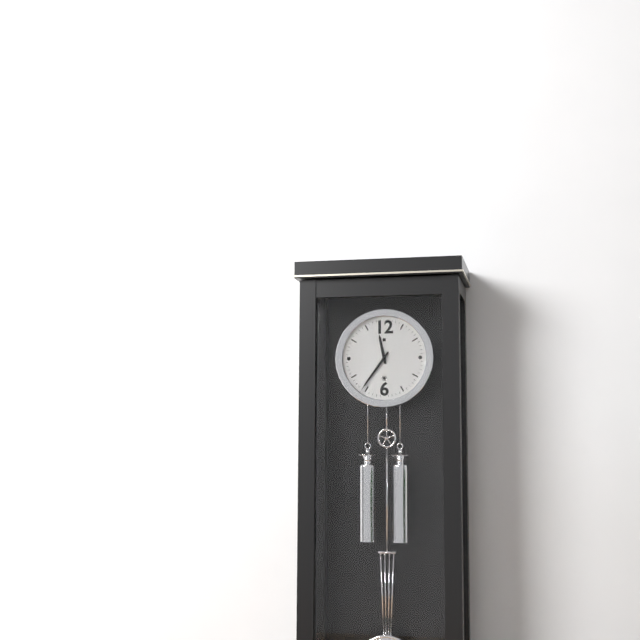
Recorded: h=11 m=36
